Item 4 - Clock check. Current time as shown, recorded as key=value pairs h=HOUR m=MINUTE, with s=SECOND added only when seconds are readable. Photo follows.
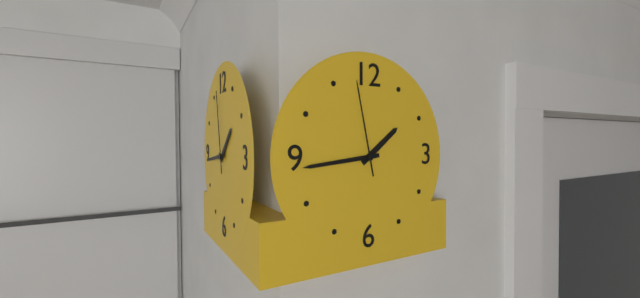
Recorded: h=1 m=44 s=58
